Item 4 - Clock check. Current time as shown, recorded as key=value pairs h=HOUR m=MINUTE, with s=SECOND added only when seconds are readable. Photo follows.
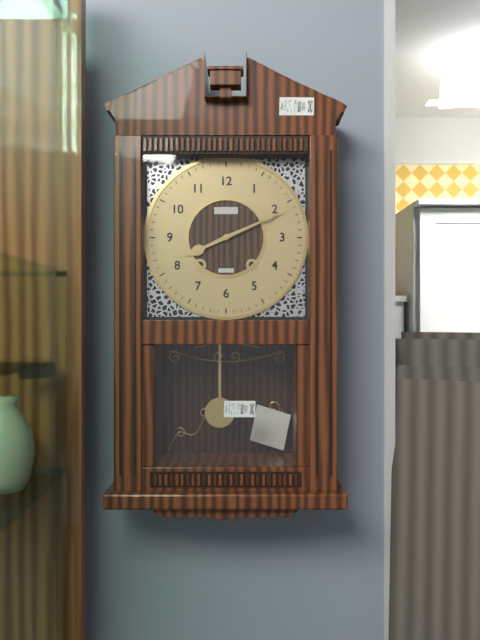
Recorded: h=8 m=11
